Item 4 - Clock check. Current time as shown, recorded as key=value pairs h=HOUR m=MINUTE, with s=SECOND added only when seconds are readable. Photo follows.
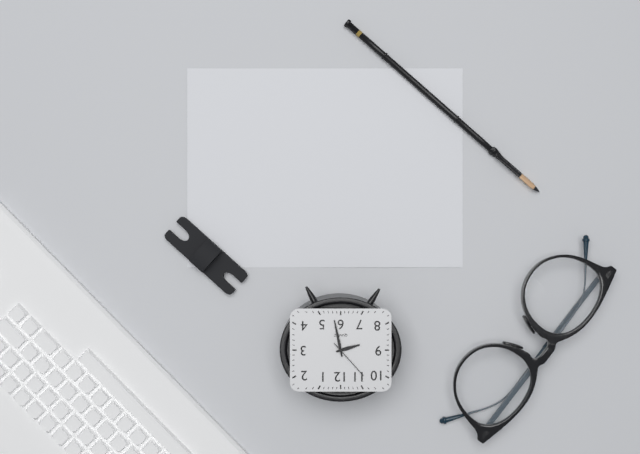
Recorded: h=8 m=28
